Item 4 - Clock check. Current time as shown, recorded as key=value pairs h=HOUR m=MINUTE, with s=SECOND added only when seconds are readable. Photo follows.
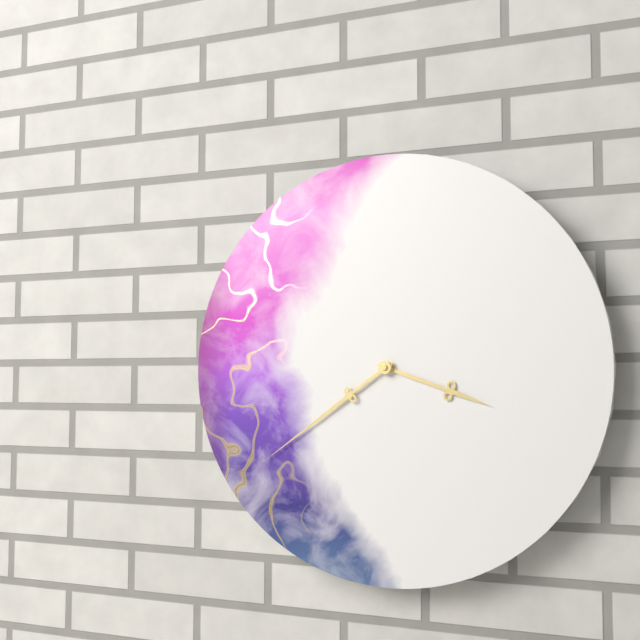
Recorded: h=3 m=39
